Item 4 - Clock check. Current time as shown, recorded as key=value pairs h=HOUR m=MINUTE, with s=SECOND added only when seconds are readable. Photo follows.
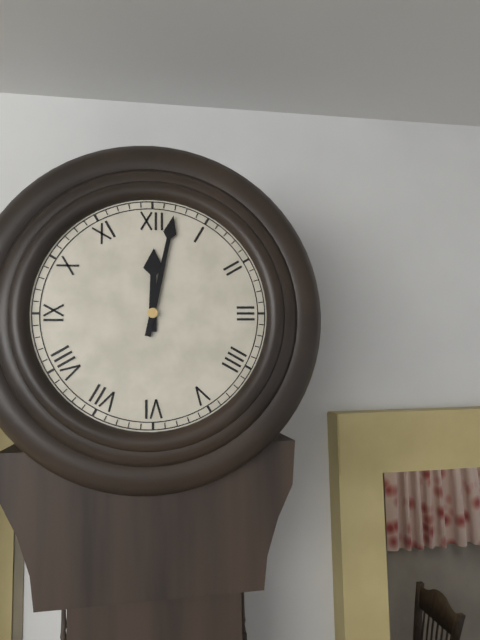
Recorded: h=12 m=2
